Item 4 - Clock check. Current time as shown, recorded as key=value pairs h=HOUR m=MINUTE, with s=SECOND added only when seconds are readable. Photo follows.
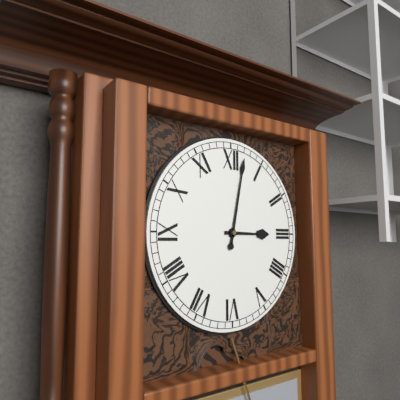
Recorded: h=3 m=2
